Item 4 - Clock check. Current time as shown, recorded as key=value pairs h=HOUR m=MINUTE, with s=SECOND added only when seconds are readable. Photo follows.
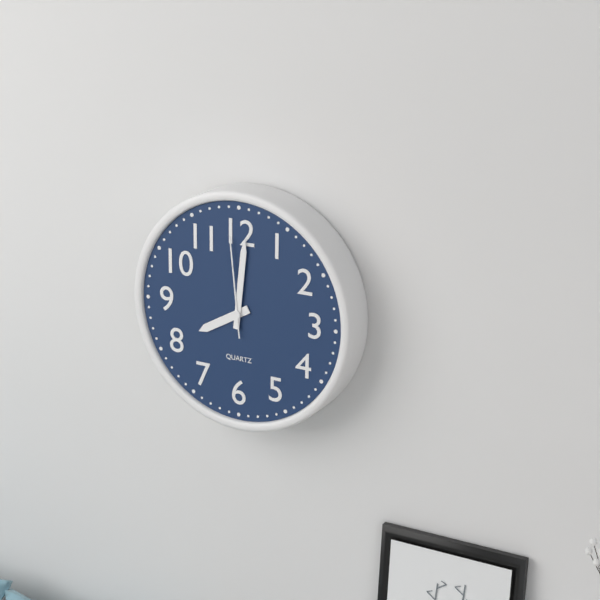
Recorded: h=8 m=1 s=59
